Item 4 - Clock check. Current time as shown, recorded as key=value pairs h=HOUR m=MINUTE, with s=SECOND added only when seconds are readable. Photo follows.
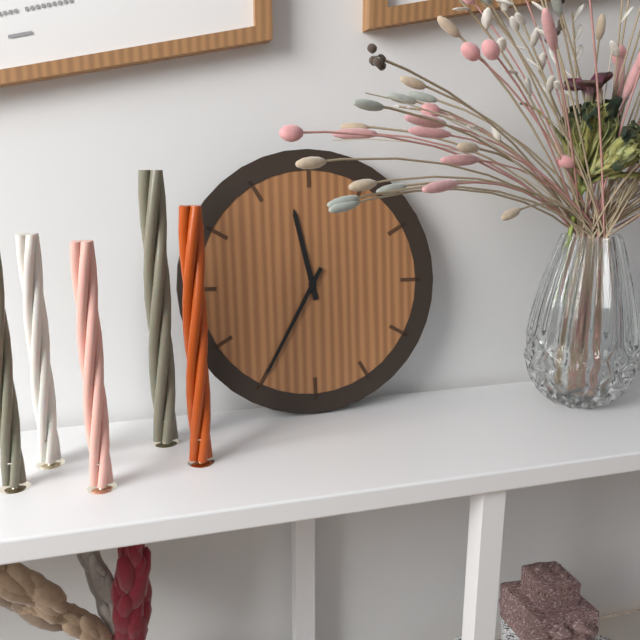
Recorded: h=11 m=35
